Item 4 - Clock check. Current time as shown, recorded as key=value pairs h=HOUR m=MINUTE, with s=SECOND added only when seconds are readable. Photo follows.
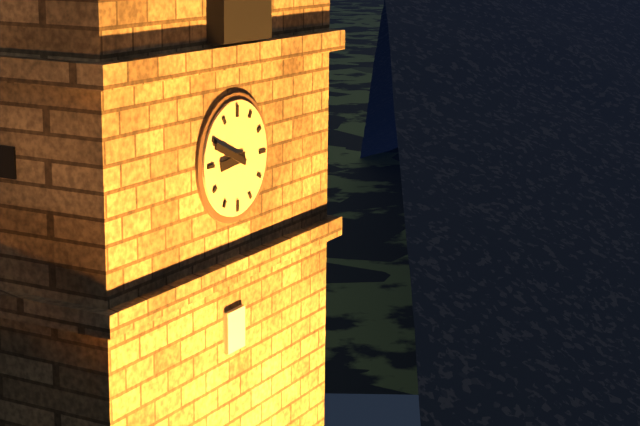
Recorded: h=8 m=49
